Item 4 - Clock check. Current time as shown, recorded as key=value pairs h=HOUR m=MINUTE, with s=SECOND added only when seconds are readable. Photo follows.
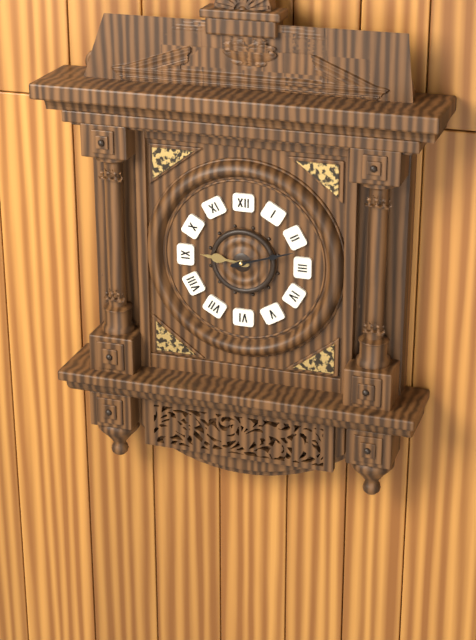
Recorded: h=9 m=12
